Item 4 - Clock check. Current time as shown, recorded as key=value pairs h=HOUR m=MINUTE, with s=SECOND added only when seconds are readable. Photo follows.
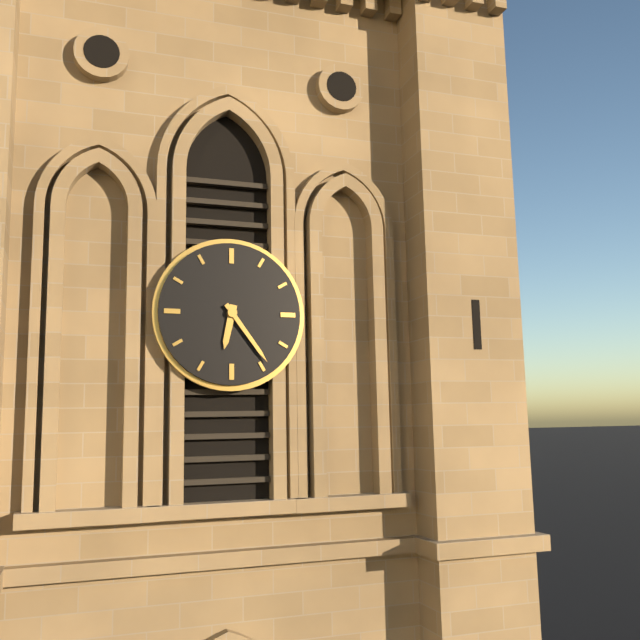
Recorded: h=6 m=24
